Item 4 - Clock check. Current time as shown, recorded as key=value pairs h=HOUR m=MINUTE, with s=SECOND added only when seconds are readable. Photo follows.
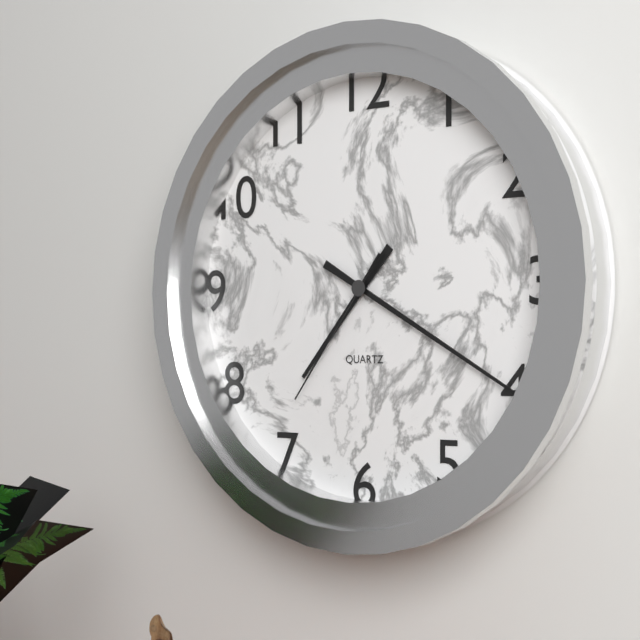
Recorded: h=7 m=20 s=36
